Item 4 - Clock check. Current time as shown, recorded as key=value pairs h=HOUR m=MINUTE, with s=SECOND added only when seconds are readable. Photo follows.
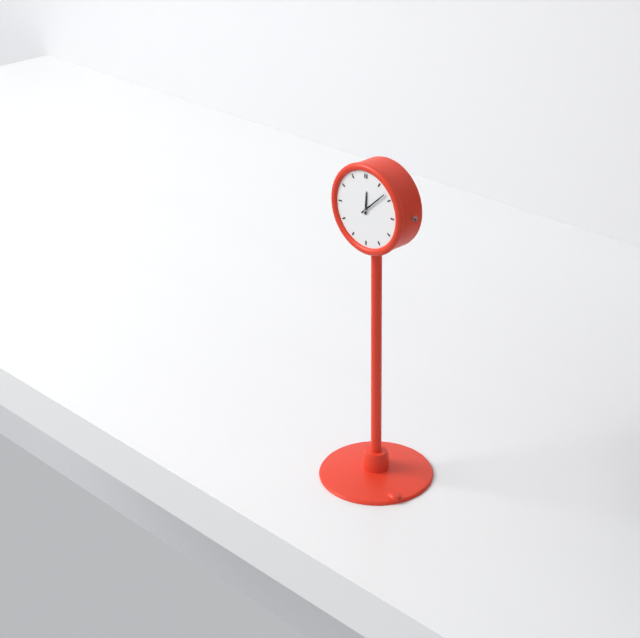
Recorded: h=12 m=8
